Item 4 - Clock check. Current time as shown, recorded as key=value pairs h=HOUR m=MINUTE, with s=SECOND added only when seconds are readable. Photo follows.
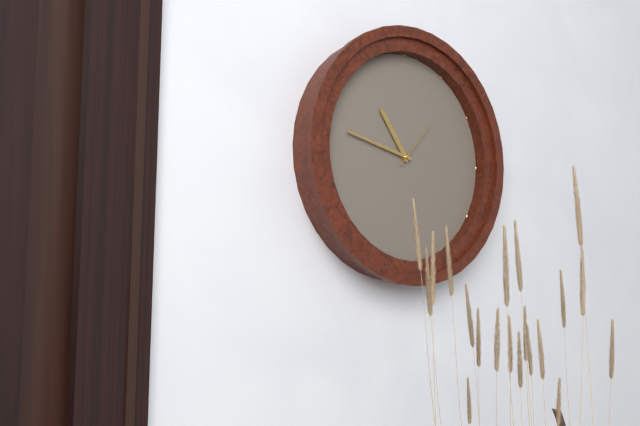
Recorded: h=10 m=47 s=7
